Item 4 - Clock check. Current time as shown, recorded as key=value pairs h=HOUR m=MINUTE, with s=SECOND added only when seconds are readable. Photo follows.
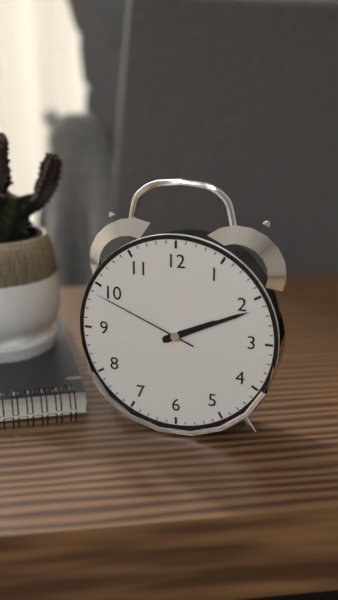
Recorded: h=2 m=11 s=49
